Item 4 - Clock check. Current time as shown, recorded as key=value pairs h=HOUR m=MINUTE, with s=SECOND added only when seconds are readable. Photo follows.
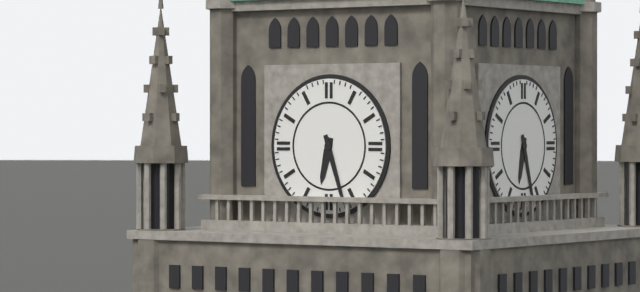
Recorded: h=6 m=27
